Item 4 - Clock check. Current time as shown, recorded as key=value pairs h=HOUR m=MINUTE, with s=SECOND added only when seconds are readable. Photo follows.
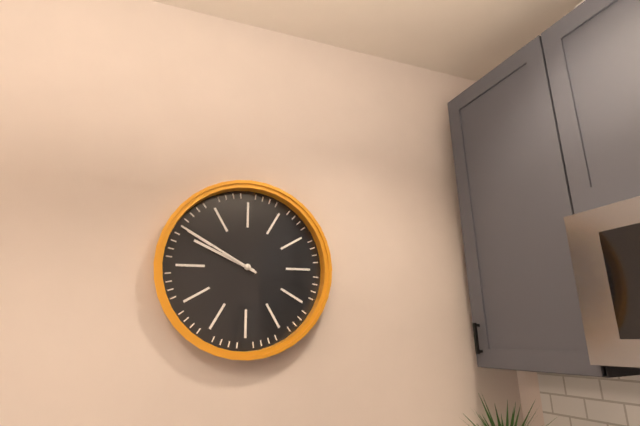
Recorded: h=9 m=50
